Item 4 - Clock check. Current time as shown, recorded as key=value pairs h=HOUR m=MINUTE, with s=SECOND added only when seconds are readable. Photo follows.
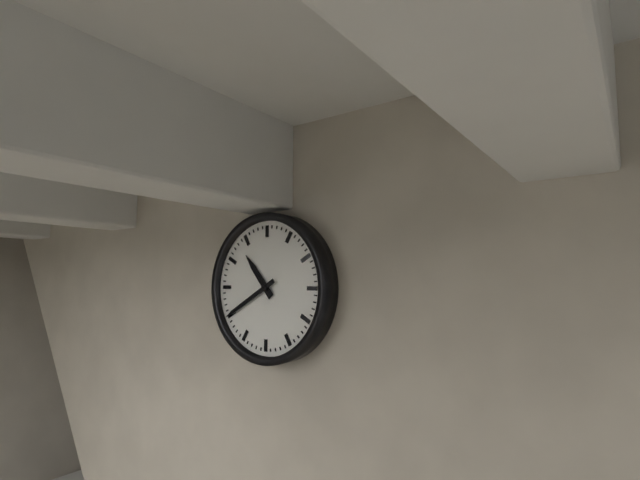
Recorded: h=10 m=40
